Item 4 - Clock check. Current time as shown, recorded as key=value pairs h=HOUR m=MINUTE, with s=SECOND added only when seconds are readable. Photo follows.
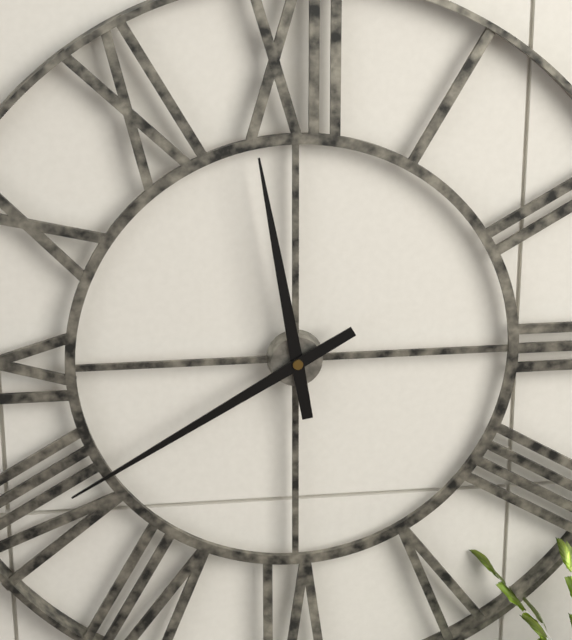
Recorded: h=11 m=40
